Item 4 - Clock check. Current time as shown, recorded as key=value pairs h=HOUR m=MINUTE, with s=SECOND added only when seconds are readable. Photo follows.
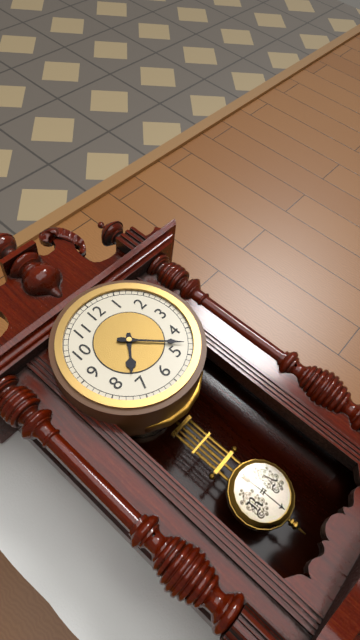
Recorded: h=7 m=23
